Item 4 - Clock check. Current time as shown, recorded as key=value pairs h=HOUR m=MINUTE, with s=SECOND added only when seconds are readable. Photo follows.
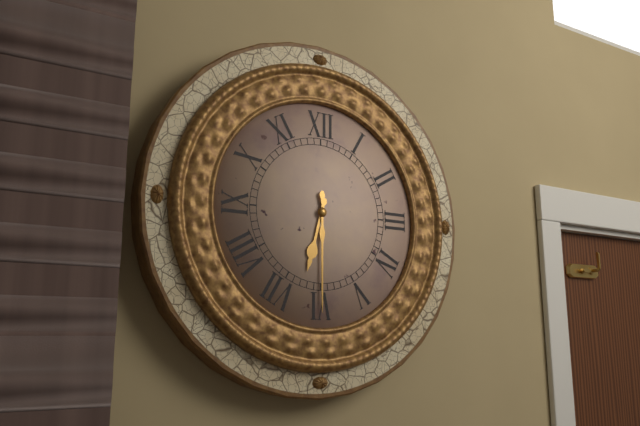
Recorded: h=6 m=30
